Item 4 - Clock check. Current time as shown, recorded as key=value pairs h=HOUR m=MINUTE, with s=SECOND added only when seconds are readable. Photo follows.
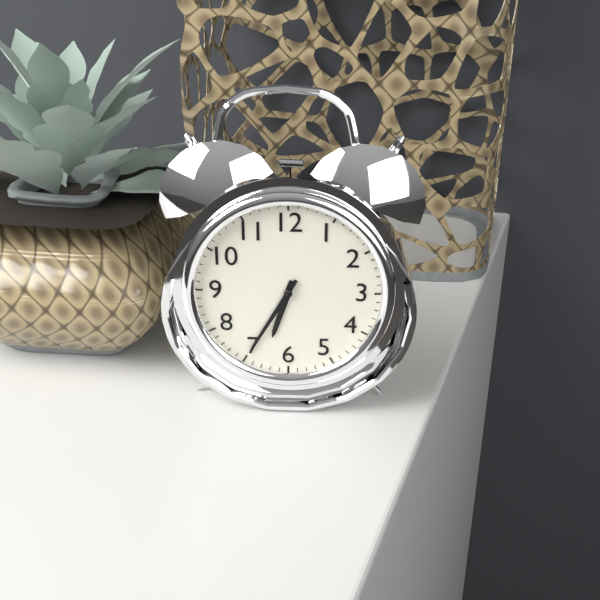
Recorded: h=6 m=35
